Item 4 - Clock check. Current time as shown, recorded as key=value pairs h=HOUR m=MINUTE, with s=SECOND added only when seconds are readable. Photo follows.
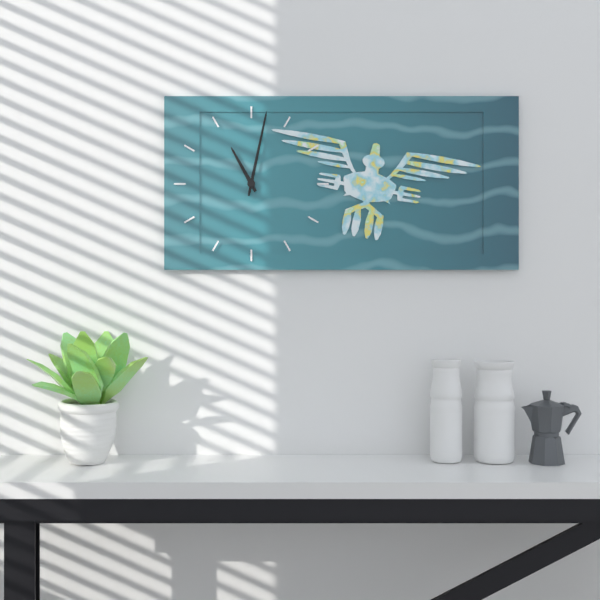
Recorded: h=11 m=2
